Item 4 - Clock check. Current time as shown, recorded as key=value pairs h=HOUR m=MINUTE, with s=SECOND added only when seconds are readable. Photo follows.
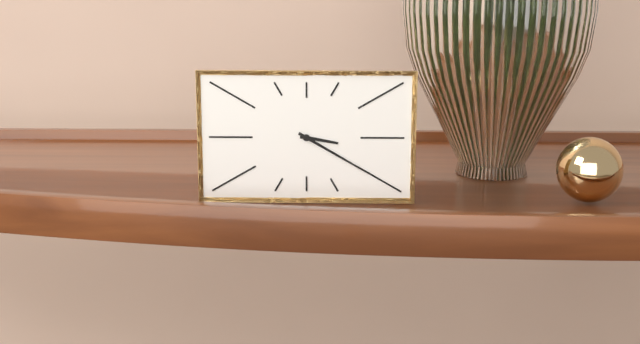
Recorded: h=3 m=20
